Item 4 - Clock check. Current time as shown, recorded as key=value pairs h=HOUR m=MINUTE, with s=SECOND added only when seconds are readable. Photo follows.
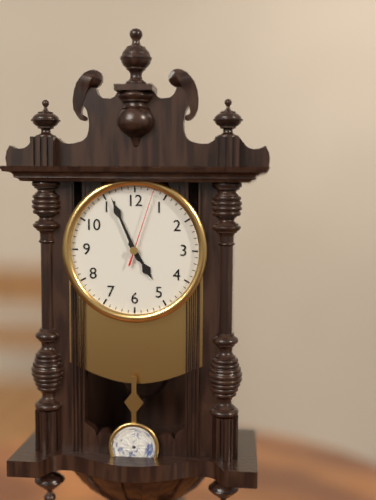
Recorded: h=4 m=56 s=3
